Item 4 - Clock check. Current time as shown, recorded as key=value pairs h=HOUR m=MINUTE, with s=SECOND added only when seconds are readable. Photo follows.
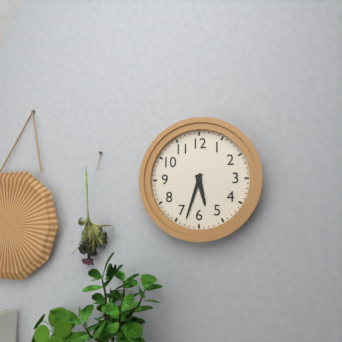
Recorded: h=5 m=33
